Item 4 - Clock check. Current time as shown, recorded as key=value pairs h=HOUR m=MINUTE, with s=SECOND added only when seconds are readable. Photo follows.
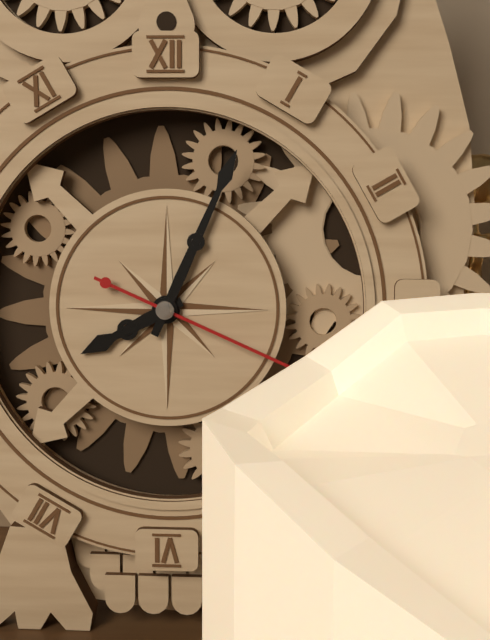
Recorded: h=8 m=4
